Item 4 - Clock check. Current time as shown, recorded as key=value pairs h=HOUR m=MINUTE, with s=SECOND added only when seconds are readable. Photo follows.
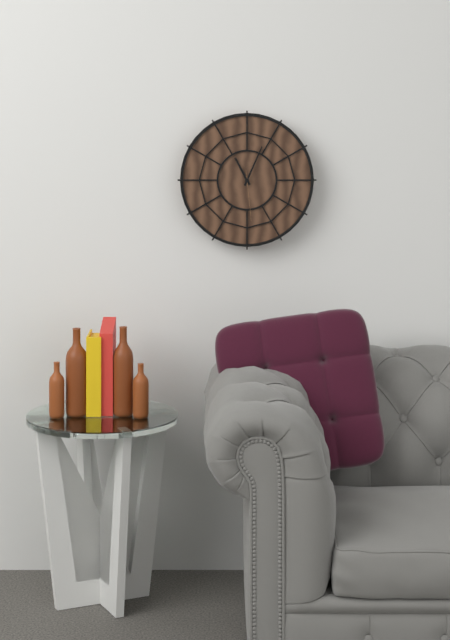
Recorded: h=11 m=4 s=29
